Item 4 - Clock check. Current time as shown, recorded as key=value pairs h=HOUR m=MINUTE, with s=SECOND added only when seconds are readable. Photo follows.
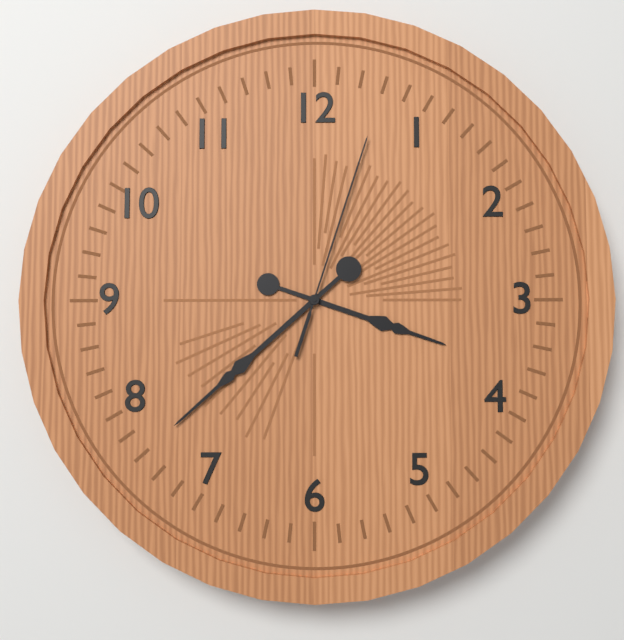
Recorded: h=3 m=38 s=3
